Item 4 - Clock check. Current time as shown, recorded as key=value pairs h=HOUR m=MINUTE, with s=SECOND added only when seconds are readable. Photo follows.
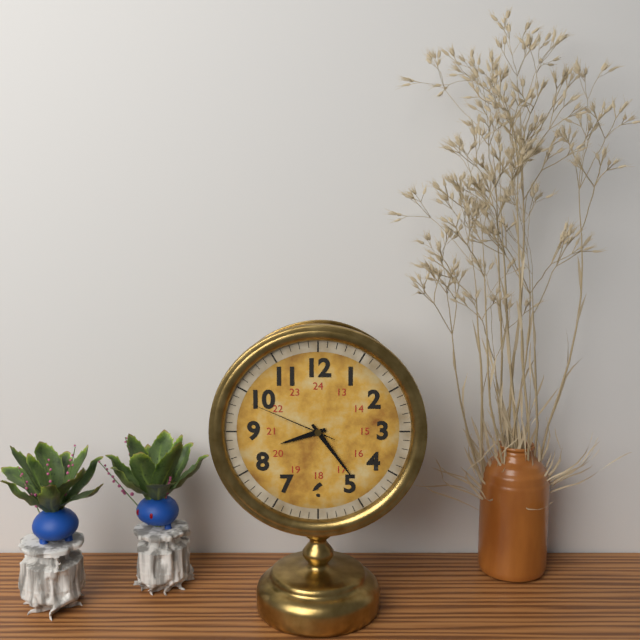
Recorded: h=8 m=24 s=49
